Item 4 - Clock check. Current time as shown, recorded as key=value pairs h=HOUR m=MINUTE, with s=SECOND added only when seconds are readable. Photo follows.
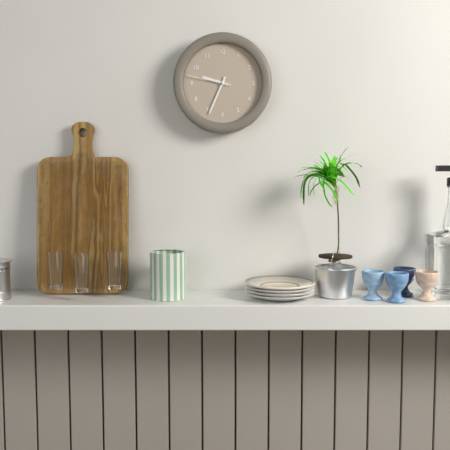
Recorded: h=9 m=34
